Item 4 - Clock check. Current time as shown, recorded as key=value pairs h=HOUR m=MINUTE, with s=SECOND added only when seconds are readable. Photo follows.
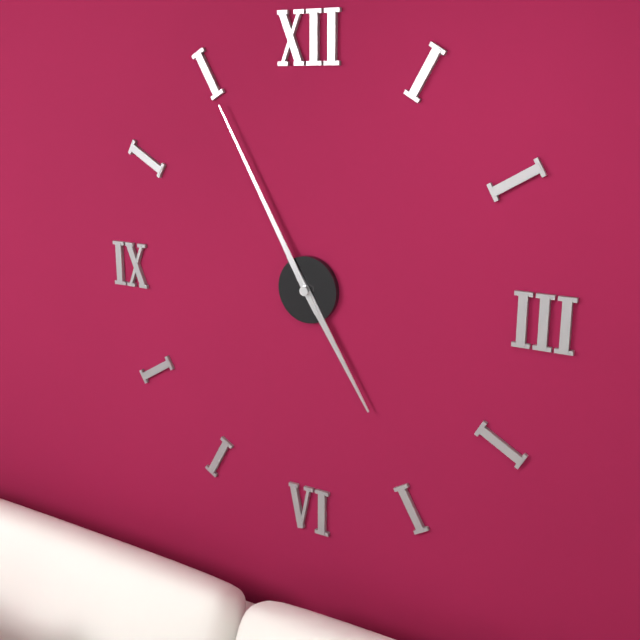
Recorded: h=4 m=55
